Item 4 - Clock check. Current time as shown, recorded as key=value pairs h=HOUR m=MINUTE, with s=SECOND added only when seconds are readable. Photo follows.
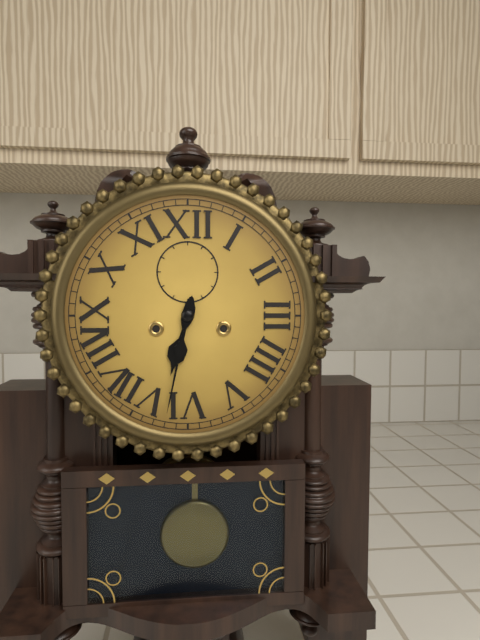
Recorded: h=6 m=32
